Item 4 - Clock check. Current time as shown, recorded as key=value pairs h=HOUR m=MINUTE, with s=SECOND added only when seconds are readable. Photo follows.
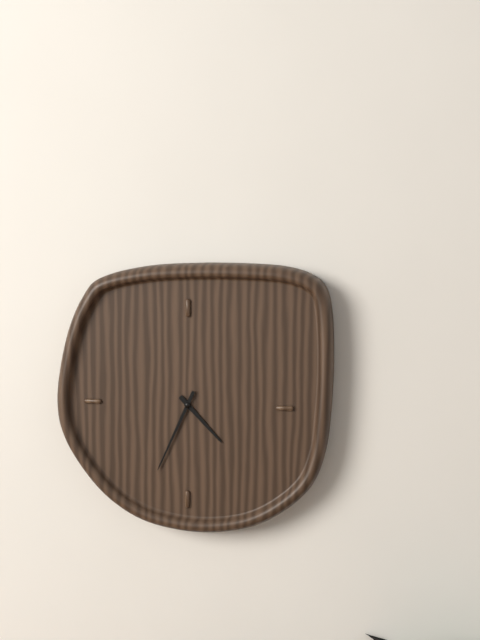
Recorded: h=4 m=34
